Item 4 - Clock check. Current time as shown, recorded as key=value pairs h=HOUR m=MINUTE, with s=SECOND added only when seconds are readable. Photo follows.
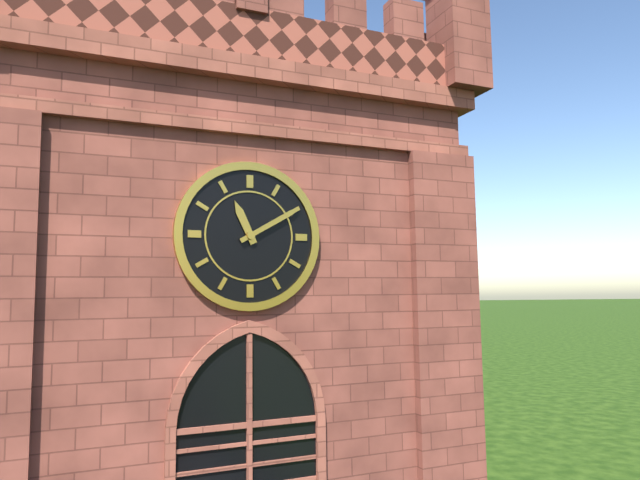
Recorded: h=11 m=10
